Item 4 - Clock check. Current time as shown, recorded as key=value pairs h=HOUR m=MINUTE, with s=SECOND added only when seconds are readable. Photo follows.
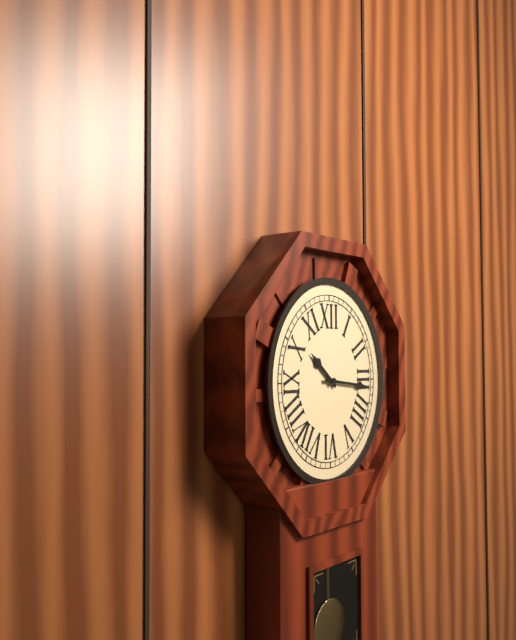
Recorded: h=10 m=16
